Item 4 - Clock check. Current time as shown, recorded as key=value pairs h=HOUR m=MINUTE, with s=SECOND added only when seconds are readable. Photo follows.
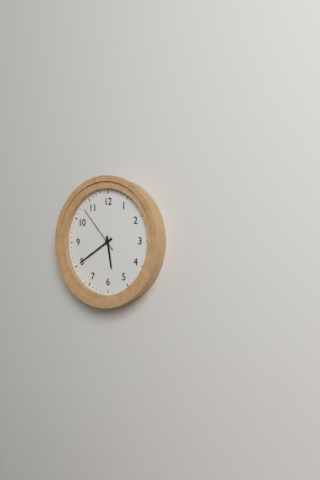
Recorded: h=5 m=40 s=53
